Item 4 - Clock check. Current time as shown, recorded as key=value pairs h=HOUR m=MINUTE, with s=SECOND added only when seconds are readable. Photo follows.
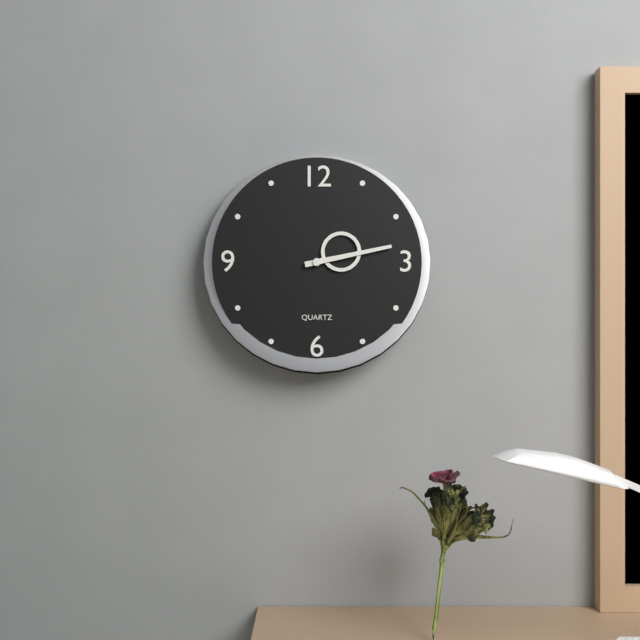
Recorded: h=2 m=13
